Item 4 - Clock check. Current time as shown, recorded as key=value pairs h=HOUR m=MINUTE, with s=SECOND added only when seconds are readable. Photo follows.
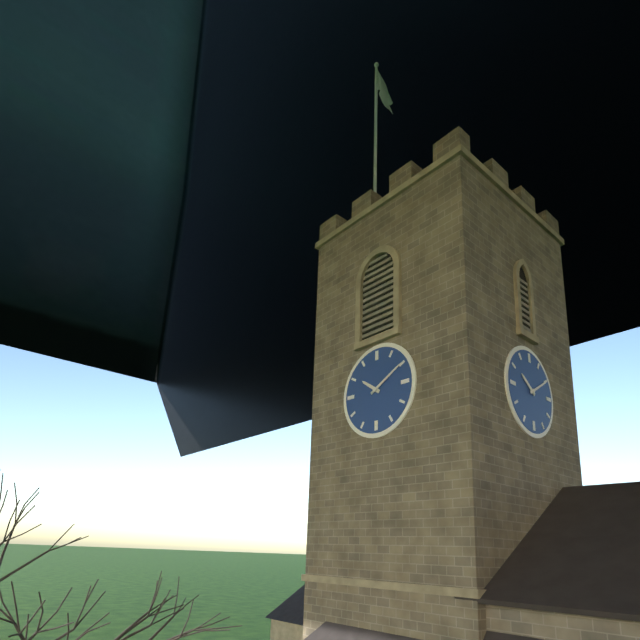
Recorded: h=10 m=10
